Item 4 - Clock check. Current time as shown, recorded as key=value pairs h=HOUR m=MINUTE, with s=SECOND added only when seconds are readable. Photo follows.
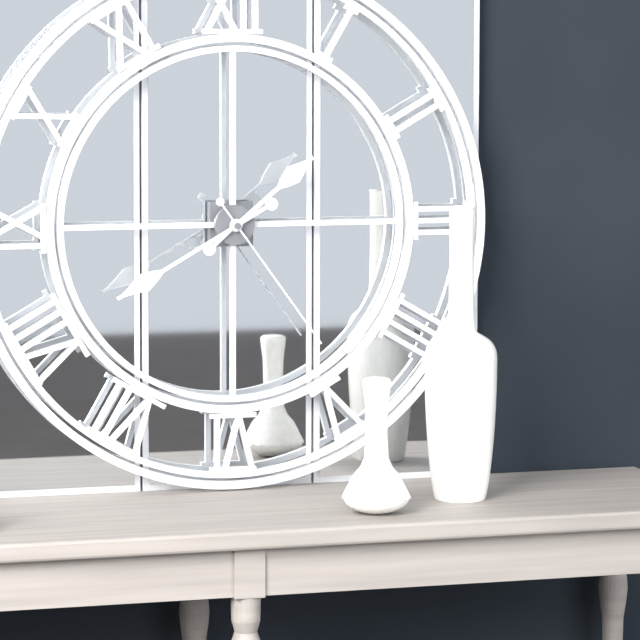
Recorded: h=1 m=40 s=24
